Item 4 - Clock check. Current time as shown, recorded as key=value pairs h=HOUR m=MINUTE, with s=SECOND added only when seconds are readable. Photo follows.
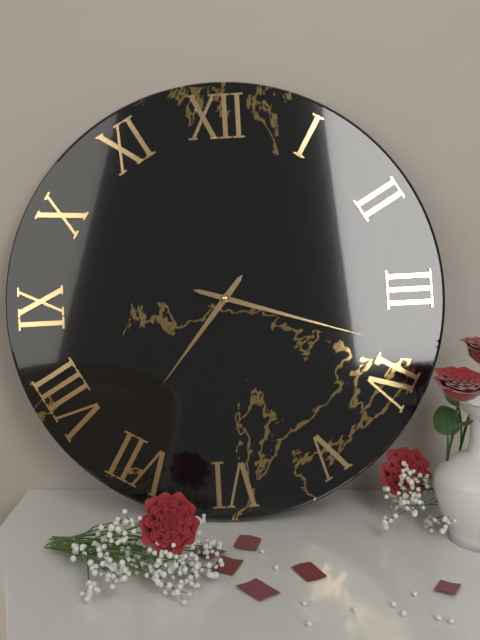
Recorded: h=7 m=18
